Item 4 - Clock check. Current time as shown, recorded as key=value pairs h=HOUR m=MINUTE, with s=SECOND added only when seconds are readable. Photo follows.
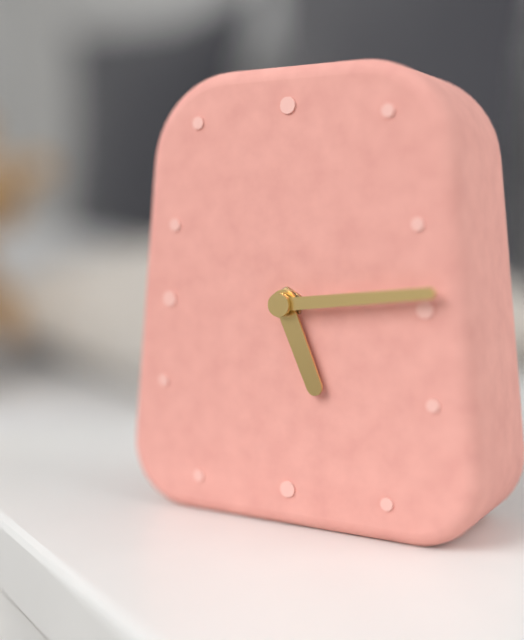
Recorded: h=5 m=14
